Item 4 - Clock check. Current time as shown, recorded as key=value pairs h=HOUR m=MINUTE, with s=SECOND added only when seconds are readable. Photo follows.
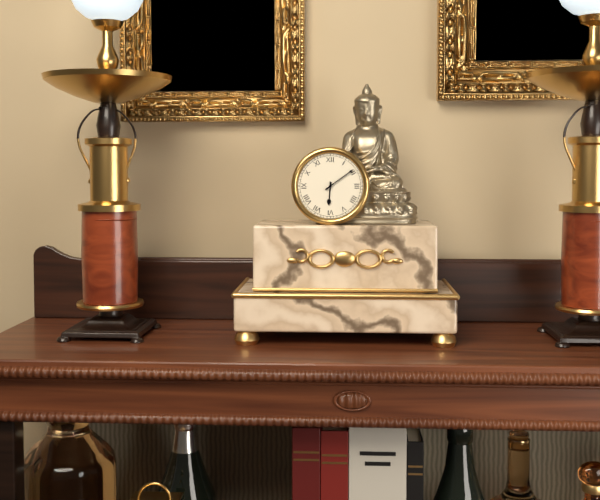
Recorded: h=6 m=9
